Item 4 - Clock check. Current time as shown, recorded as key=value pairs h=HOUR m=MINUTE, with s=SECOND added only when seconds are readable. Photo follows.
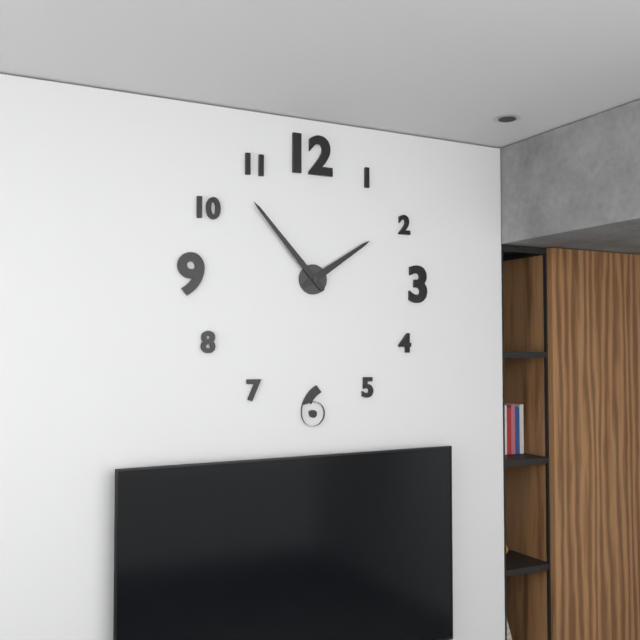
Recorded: h=1 m=53
